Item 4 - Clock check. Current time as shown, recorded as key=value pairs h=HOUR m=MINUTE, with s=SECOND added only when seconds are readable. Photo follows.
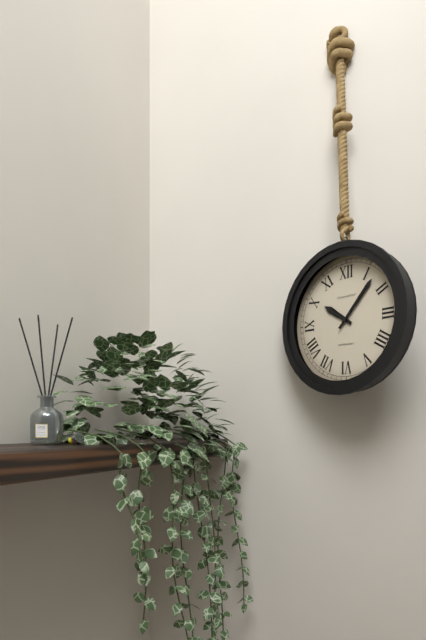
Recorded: h=10 m=7
